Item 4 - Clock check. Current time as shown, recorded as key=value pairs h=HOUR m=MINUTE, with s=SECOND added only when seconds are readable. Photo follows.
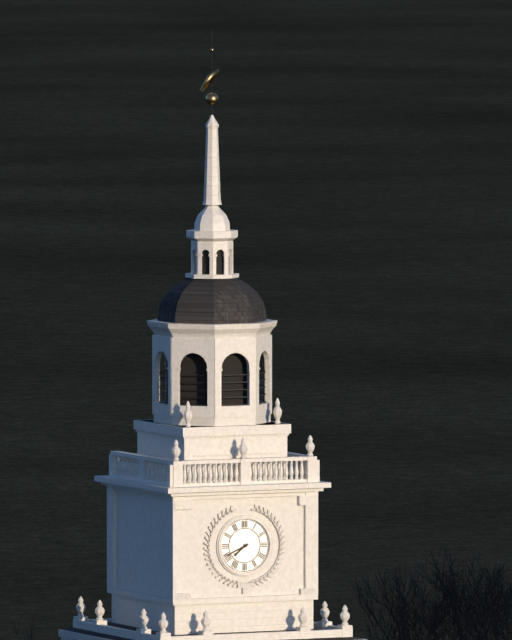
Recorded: h=7 m=41
